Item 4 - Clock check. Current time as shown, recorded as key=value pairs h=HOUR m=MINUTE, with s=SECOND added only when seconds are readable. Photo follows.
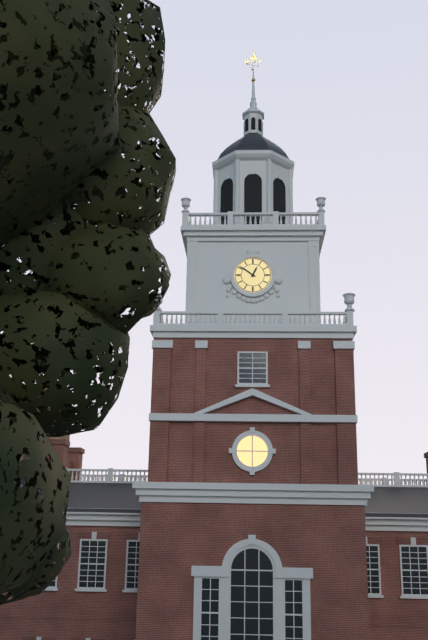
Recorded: h=12 m=51
